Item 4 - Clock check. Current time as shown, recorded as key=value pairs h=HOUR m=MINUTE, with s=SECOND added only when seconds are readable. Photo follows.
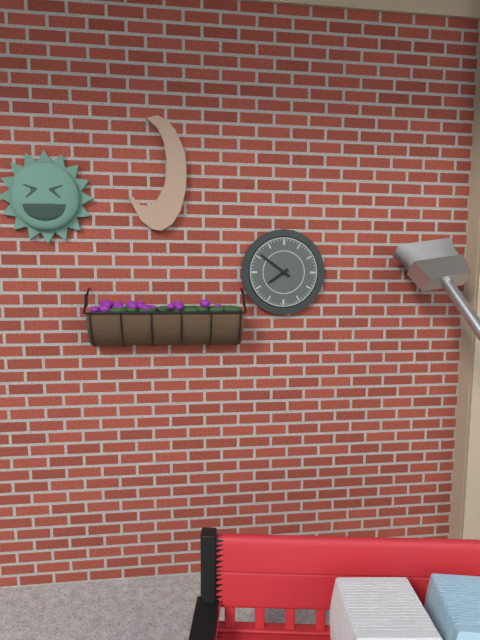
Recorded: h=7 m=51
